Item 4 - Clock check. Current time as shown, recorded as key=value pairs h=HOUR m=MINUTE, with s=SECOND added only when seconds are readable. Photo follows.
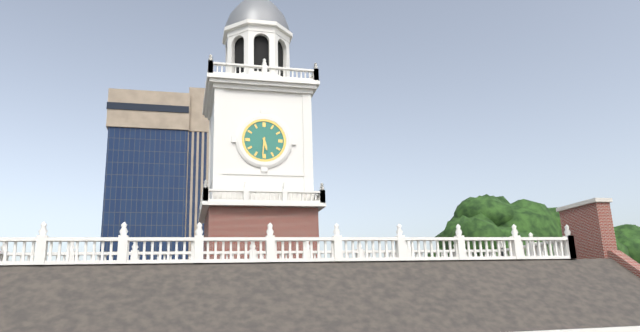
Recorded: h=5 m=31
